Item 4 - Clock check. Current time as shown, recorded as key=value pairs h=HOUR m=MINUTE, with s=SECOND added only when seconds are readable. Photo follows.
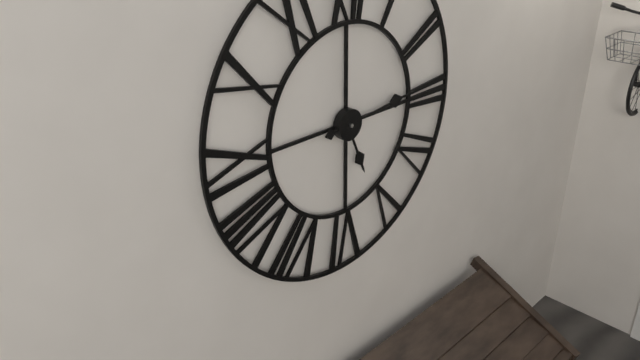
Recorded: h=5 m=14
